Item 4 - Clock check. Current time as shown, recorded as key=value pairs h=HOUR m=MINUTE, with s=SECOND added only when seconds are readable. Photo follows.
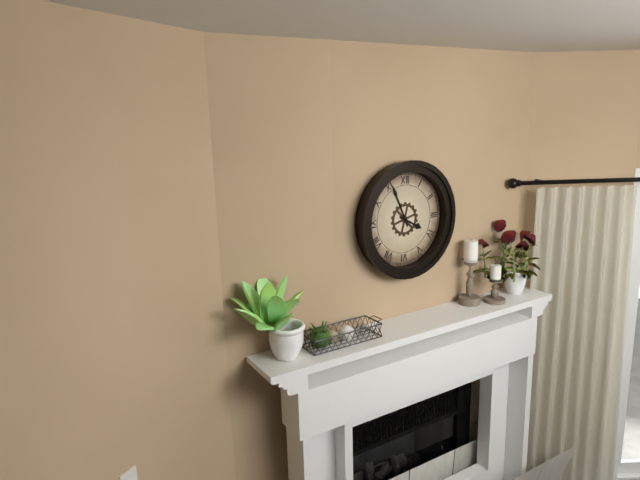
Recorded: h=3 m=56
